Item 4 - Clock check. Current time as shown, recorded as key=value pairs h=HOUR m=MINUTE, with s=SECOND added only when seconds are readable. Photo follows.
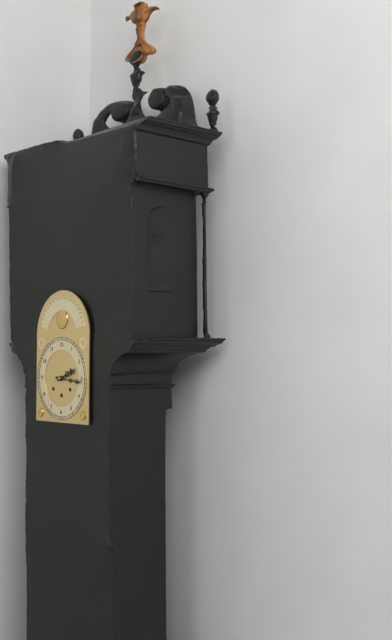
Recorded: h=2 m=16
